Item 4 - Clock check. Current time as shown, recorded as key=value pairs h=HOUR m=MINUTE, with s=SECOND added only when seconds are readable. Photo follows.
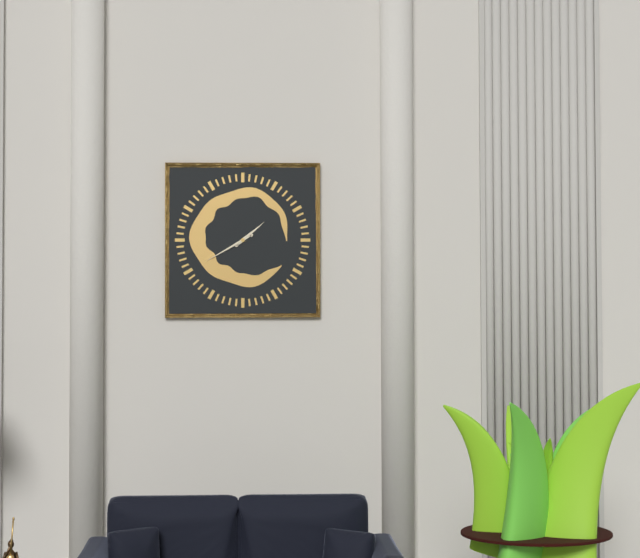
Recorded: h=1 m=40
